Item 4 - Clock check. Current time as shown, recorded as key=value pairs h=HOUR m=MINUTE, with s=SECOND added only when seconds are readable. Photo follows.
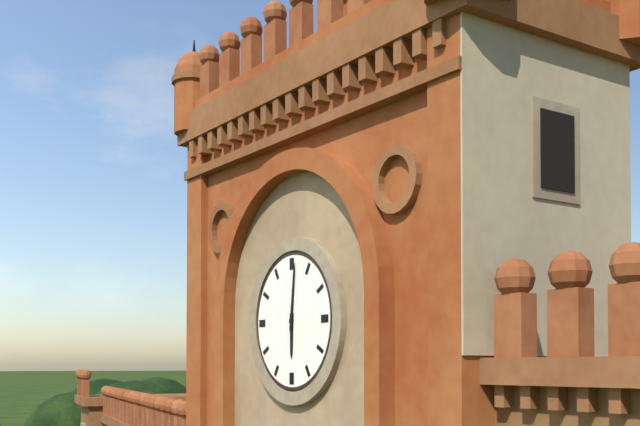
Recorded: h=6 m=1
